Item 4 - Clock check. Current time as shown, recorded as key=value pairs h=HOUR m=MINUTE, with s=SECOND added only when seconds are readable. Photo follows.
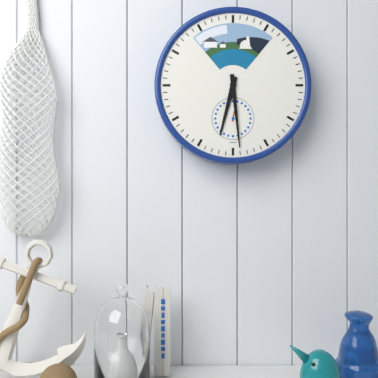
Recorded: h=6 m=29
